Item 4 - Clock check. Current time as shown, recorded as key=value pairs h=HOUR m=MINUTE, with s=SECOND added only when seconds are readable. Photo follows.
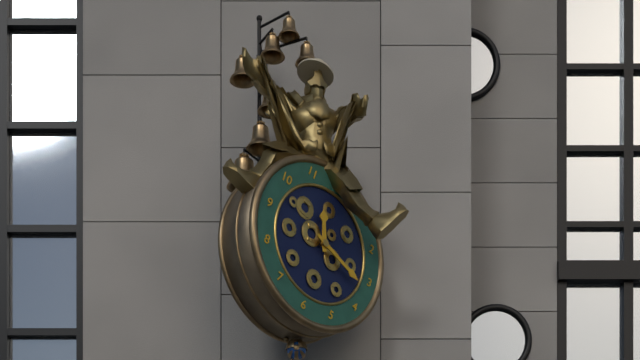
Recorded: h=11 m=17
